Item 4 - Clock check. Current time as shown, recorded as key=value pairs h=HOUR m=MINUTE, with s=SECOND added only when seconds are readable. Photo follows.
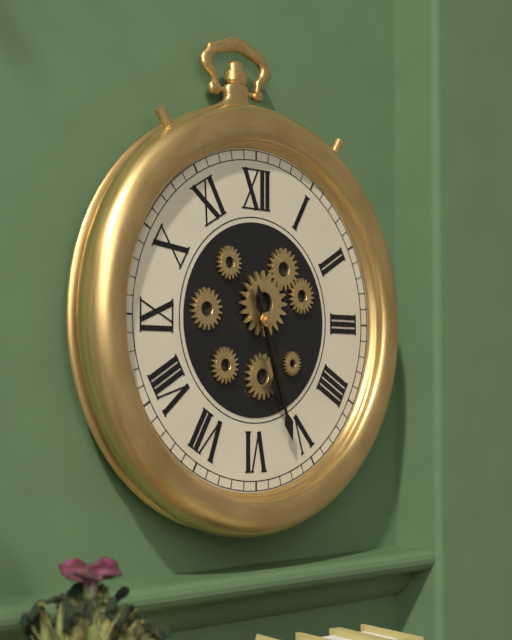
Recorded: h=5 m=27
